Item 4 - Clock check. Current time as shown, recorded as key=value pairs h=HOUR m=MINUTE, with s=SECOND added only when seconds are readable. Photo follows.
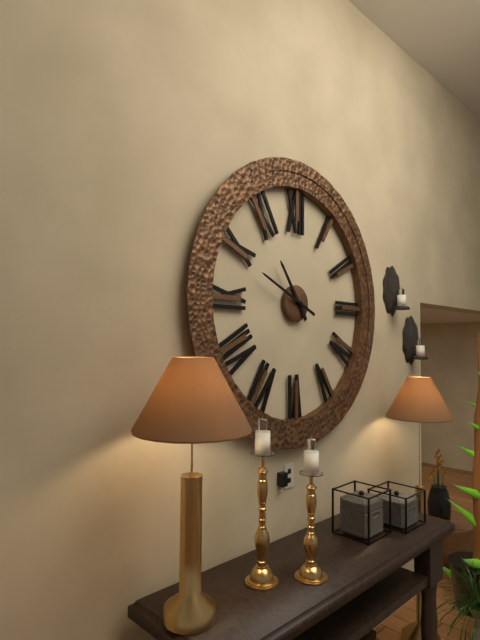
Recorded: h=10 m=49
